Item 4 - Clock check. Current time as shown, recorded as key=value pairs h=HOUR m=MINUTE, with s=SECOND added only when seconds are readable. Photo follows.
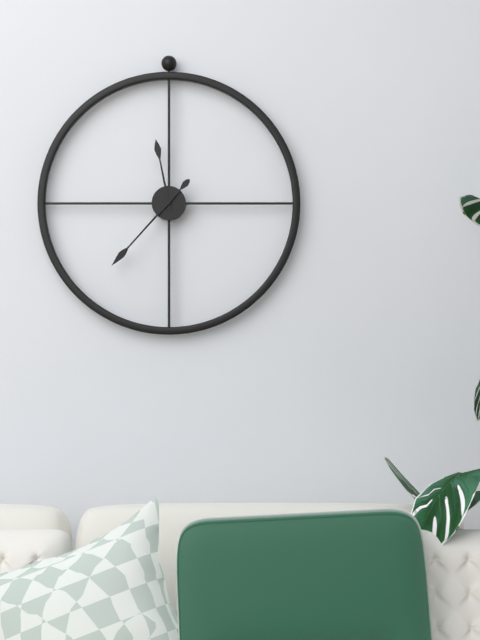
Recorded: h=11 m=37
